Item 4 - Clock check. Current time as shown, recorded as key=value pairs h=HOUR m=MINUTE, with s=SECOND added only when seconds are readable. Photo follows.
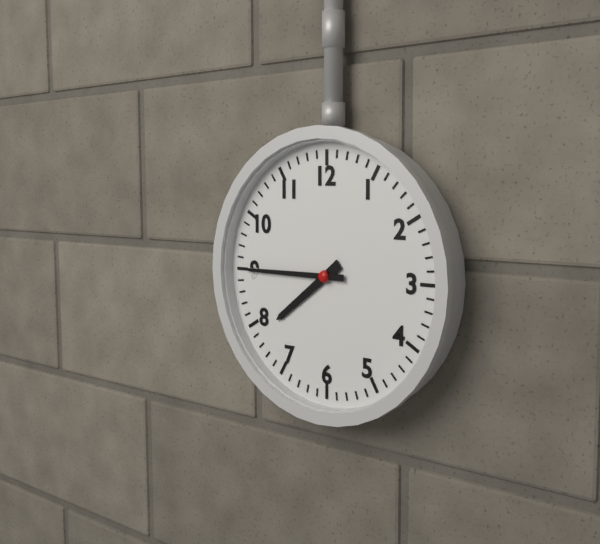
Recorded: h=7 m=45
